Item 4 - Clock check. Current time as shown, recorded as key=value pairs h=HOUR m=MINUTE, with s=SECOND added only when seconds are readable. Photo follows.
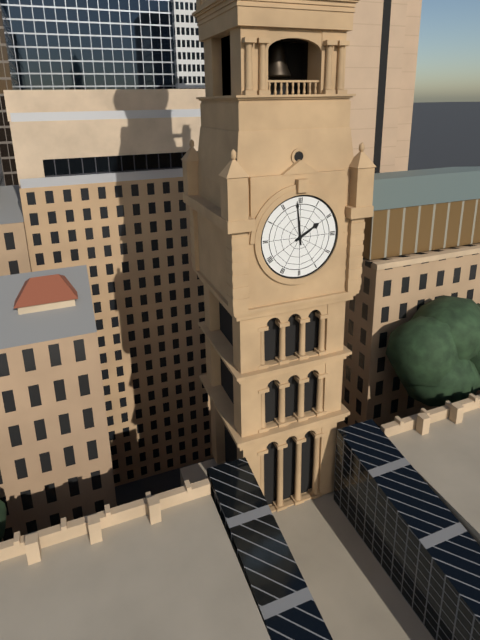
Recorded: h=1 m=59
